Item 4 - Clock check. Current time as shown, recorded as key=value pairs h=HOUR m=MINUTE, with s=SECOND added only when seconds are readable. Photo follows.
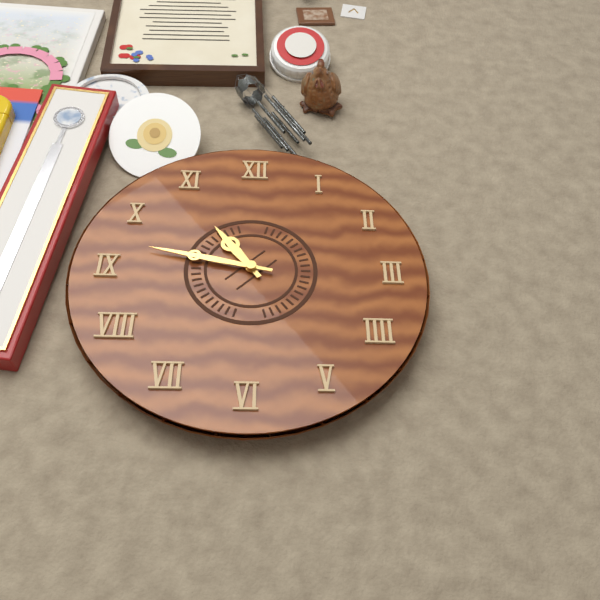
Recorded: h=10 m=47
